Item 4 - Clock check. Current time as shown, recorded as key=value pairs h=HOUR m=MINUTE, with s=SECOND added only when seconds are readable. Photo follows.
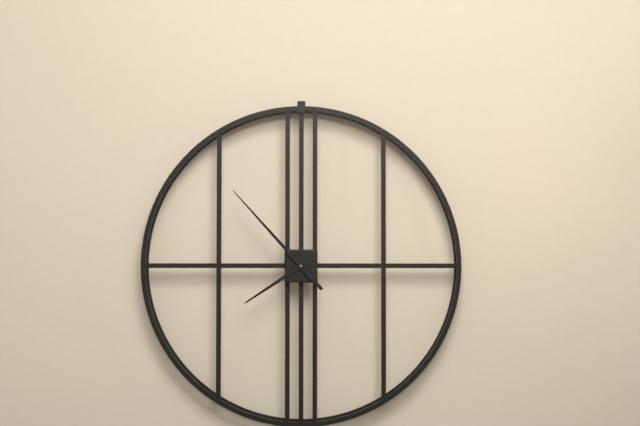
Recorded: h=7 m=53
